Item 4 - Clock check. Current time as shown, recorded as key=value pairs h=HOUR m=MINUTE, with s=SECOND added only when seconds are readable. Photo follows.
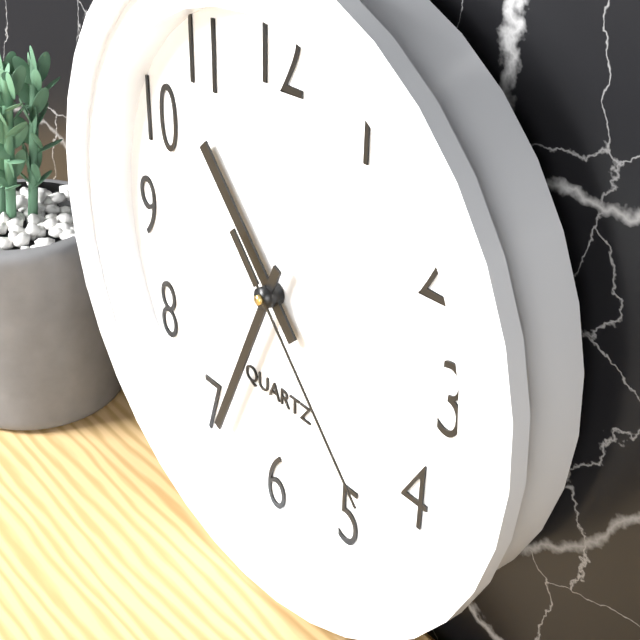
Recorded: h=10 m=34 s=23
